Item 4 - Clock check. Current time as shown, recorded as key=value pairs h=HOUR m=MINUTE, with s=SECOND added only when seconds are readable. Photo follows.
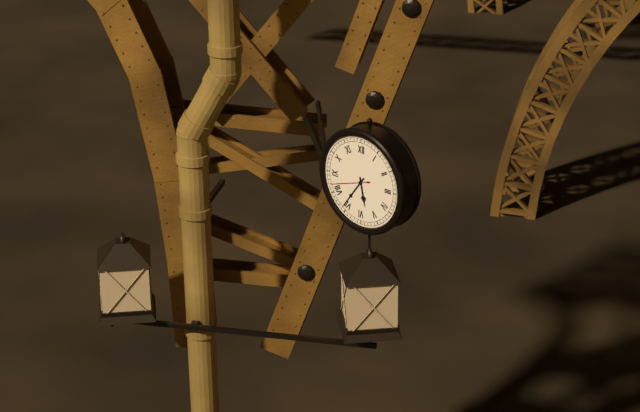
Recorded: h=5 m=36
